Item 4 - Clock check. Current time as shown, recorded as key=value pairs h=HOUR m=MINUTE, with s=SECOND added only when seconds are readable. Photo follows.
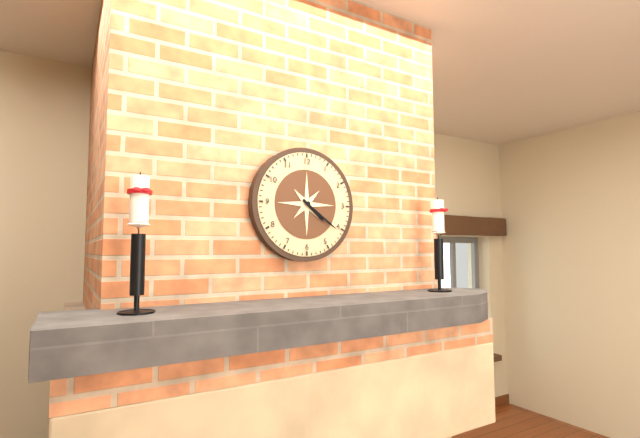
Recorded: h=4 m=21
